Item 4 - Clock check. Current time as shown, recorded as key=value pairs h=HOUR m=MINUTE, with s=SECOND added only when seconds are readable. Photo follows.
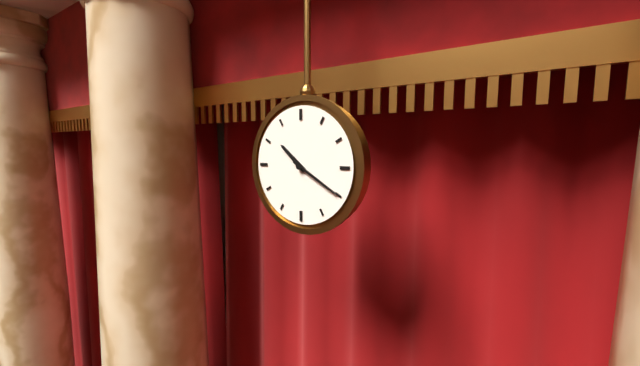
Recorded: h=10 m=20
